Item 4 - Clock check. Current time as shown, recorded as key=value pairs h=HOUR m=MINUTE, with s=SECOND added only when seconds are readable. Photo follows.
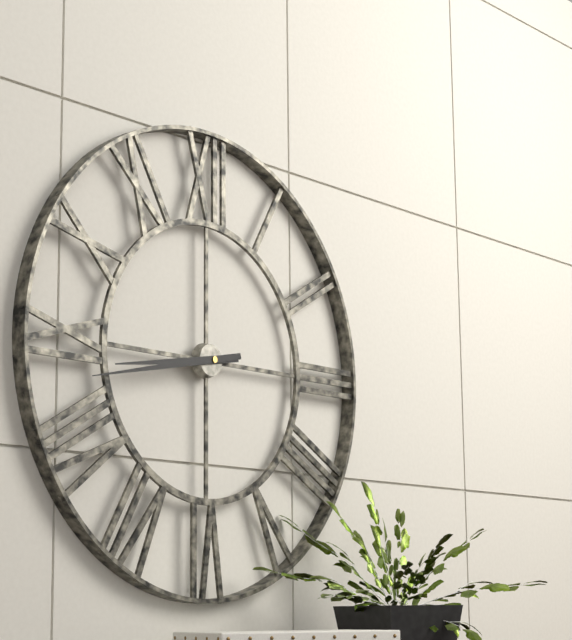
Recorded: h=8 m=43
